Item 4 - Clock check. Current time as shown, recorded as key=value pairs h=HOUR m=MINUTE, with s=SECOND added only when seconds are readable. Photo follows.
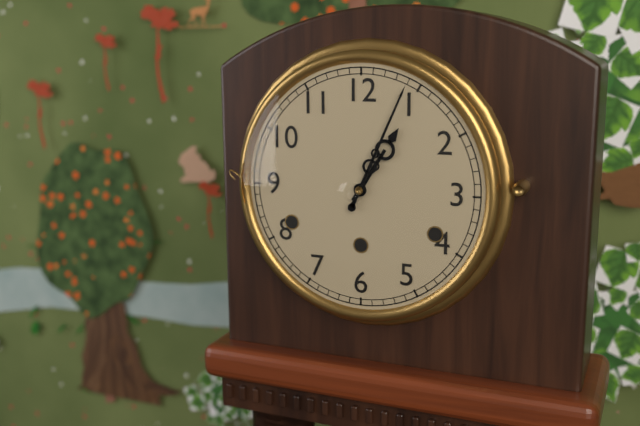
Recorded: h=1 m=4
